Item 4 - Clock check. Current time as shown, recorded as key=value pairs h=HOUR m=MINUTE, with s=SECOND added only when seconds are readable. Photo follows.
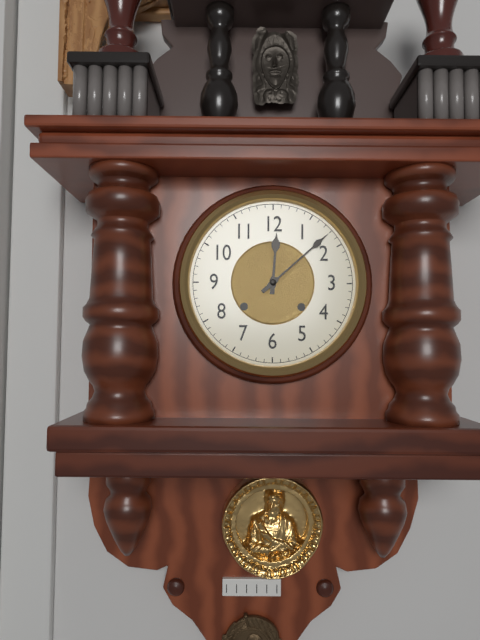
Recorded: h=12 m=8
